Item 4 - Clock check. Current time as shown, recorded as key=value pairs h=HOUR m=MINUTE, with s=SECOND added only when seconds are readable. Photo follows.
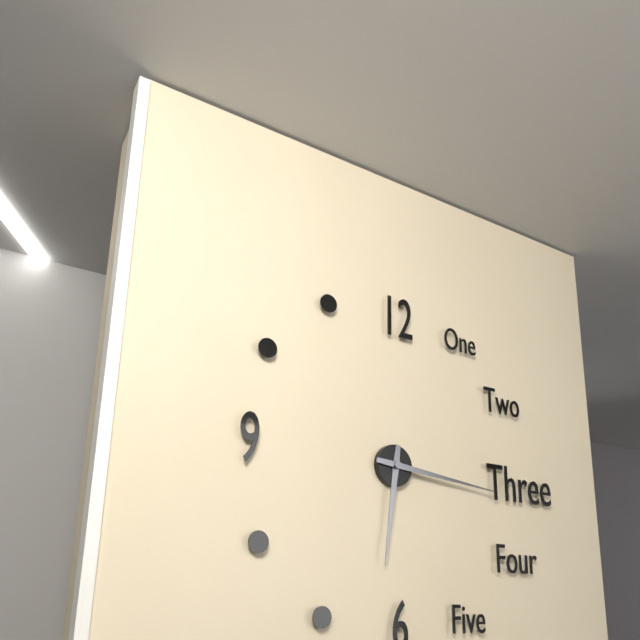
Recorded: h=6 m=16
